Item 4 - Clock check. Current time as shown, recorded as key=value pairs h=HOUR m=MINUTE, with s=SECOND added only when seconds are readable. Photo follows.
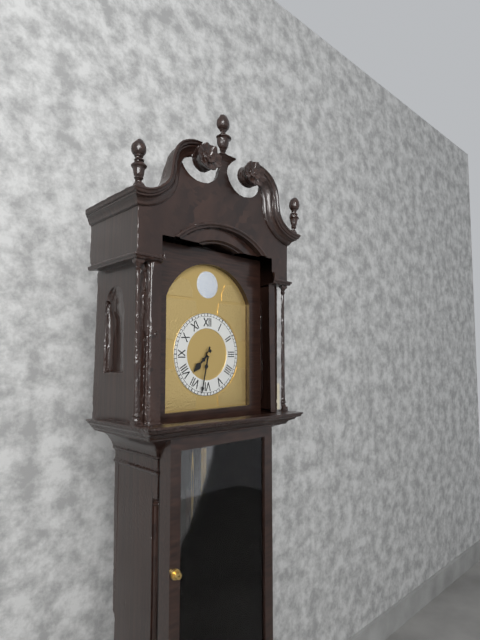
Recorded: h=7 m=32
